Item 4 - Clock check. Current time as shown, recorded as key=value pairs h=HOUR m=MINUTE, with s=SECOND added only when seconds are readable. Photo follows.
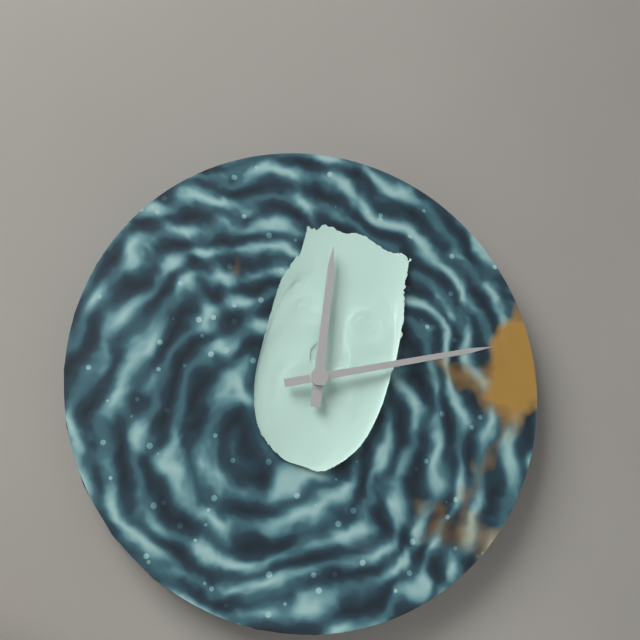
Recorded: h=12 m=13
